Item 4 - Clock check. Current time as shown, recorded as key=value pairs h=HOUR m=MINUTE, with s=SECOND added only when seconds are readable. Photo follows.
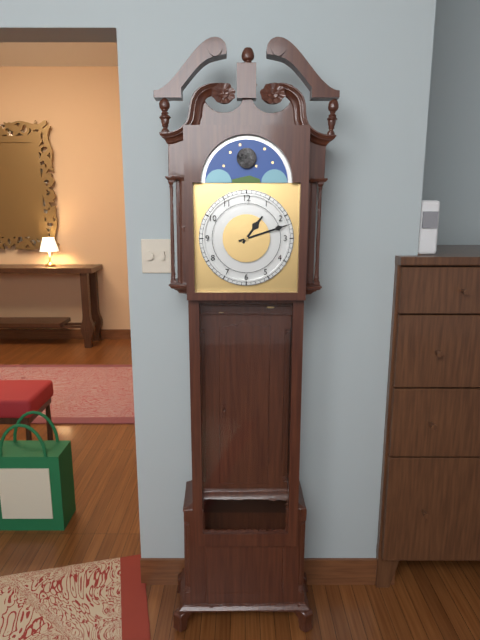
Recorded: h=1 m=12
